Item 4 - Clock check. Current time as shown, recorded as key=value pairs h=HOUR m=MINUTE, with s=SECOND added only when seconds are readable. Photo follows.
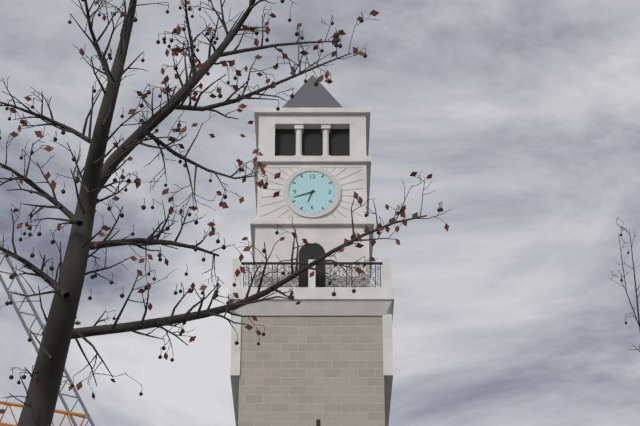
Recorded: h=6 m=42
